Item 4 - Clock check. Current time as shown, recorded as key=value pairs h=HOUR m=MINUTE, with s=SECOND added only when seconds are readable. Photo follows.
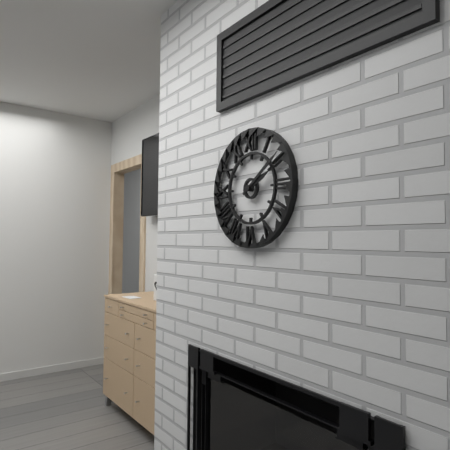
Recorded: h=2 m=9
